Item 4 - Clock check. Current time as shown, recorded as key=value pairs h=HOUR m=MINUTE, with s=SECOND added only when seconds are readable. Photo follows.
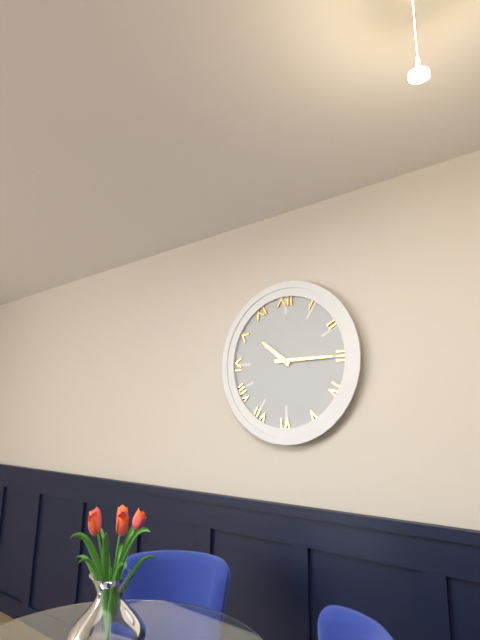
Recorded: h=10 m=15
